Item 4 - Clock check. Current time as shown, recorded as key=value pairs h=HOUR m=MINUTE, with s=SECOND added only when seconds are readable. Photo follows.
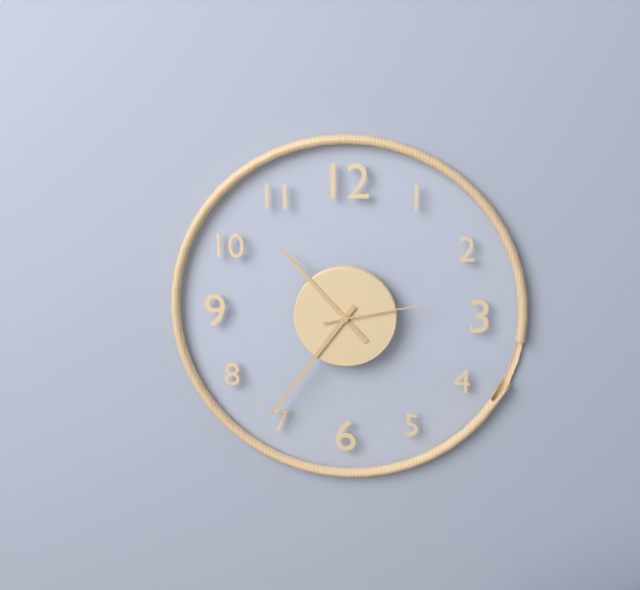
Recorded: h=10 m=36 s=13
